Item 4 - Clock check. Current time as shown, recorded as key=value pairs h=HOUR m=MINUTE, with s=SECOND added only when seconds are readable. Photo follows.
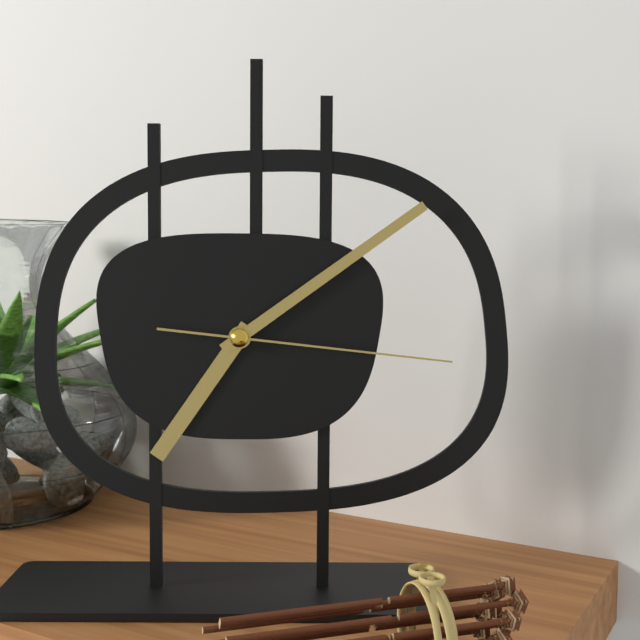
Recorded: h=7 m=9 s=16
